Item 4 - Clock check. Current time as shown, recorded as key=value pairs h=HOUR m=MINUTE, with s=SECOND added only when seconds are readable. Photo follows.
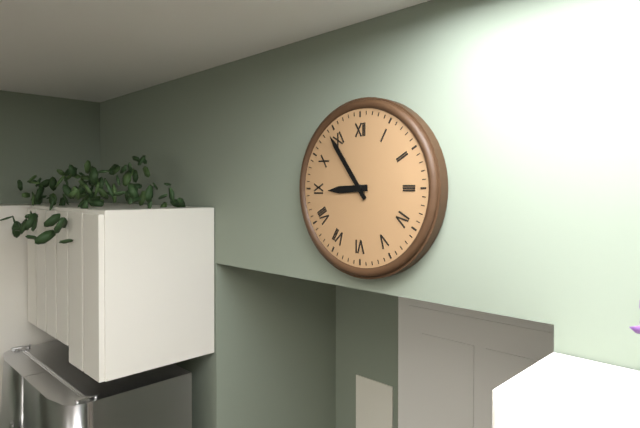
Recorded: h=8 m=54
